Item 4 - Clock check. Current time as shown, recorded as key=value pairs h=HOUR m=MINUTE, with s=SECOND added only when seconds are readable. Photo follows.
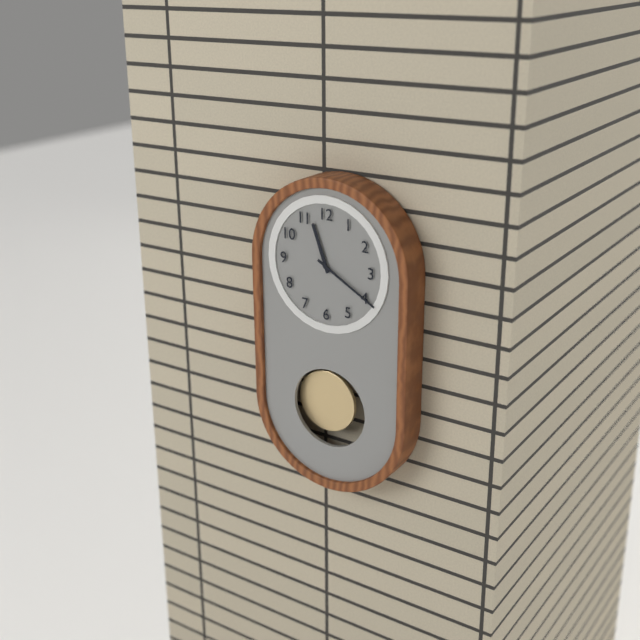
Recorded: h=11 m=20
